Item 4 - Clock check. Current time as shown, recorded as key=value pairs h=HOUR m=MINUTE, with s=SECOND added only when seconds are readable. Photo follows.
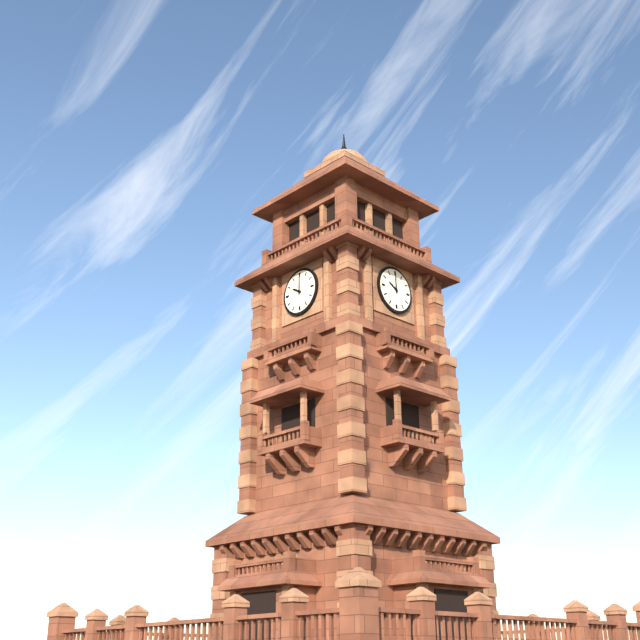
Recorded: h=10 m=0
